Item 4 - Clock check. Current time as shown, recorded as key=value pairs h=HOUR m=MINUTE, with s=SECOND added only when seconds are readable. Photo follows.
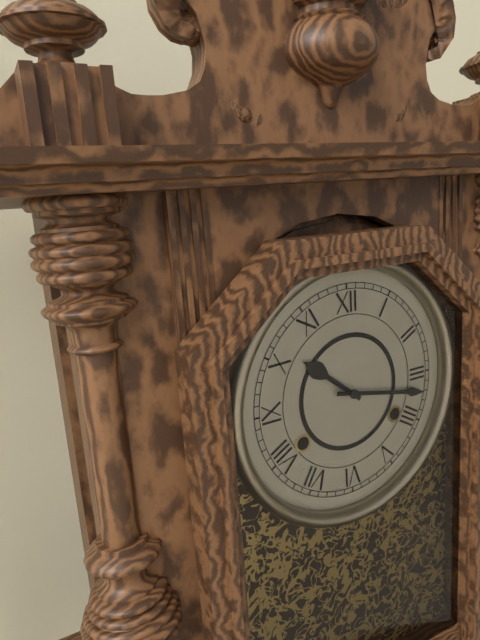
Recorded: h=10 m=17
